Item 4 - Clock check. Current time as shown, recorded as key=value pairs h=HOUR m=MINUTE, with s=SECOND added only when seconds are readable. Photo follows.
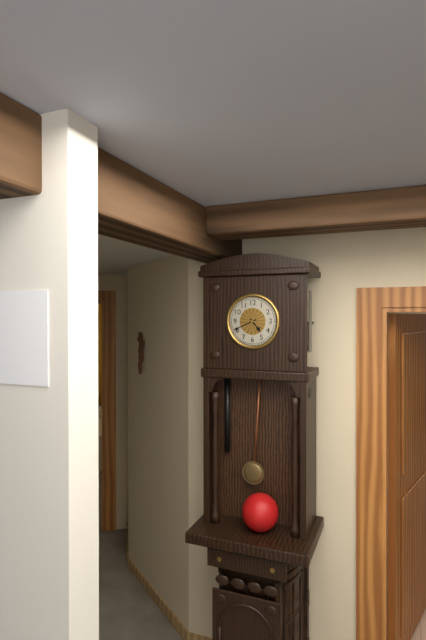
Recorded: h=4 m=41
